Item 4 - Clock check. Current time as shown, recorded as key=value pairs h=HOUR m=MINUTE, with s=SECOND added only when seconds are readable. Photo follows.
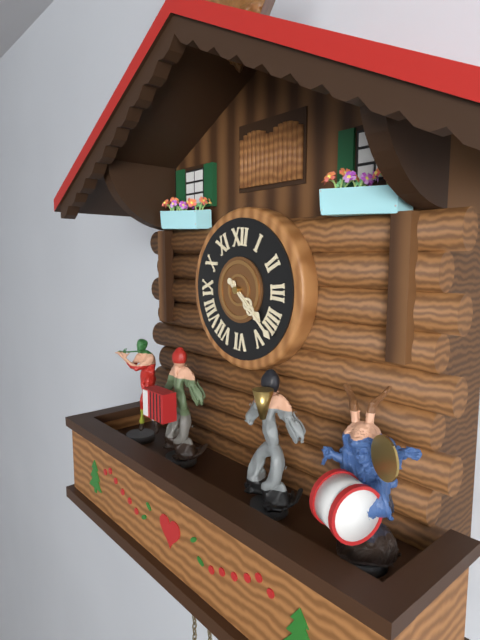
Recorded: h=4 m=22
